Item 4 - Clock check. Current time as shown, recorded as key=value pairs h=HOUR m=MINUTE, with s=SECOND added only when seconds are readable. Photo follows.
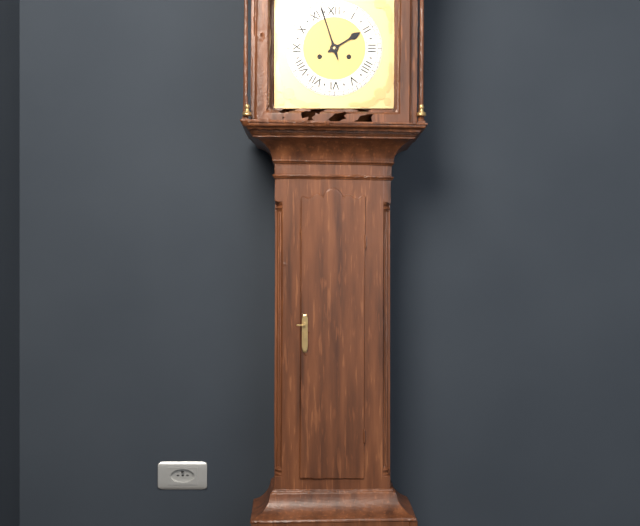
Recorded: h=1 m=57
